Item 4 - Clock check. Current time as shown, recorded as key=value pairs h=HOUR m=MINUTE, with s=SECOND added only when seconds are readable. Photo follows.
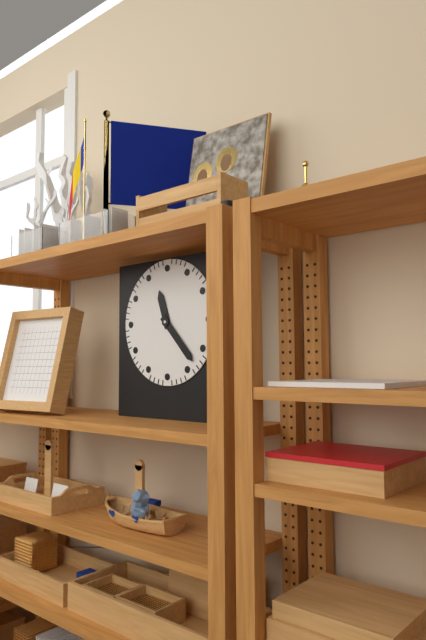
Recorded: h=11 m=23
